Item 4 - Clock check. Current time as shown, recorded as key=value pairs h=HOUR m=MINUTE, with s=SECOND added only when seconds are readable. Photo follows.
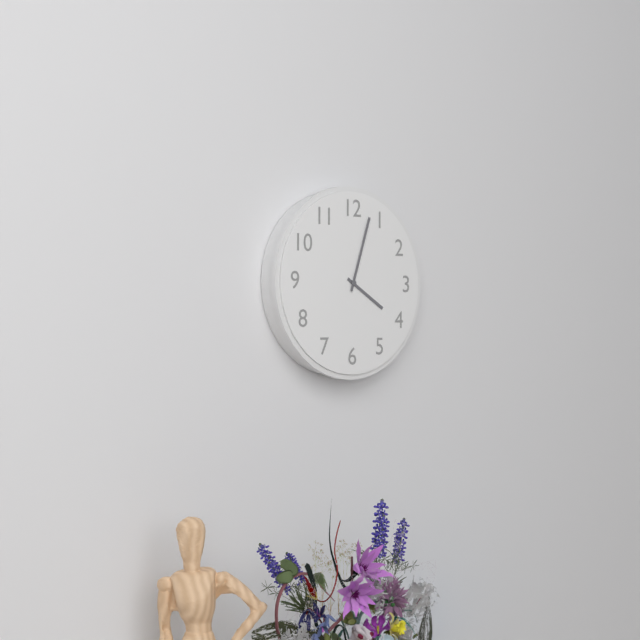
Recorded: h=4 m=3
